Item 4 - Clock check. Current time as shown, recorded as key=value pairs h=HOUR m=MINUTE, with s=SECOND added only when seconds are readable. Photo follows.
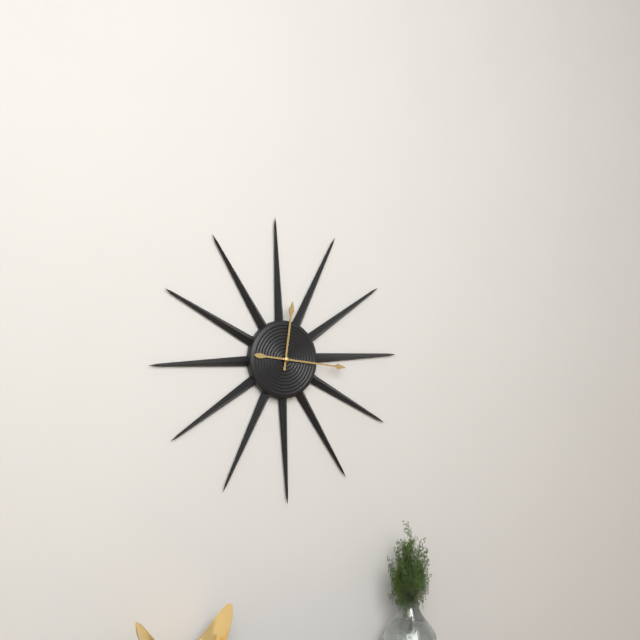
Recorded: h=12 m=16
